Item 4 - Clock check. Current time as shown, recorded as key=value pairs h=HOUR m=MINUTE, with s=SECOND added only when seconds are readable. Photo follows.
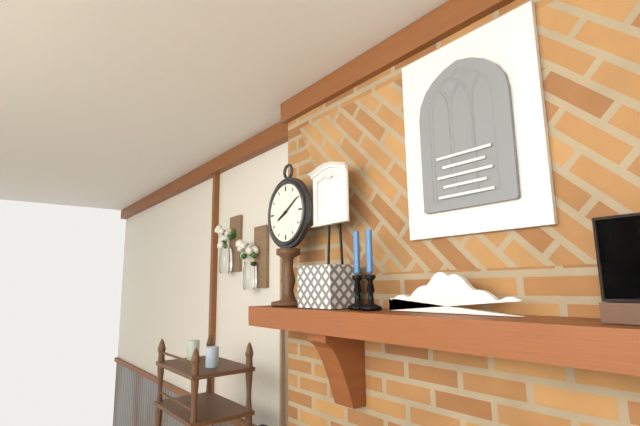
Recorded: h=8 m=10
